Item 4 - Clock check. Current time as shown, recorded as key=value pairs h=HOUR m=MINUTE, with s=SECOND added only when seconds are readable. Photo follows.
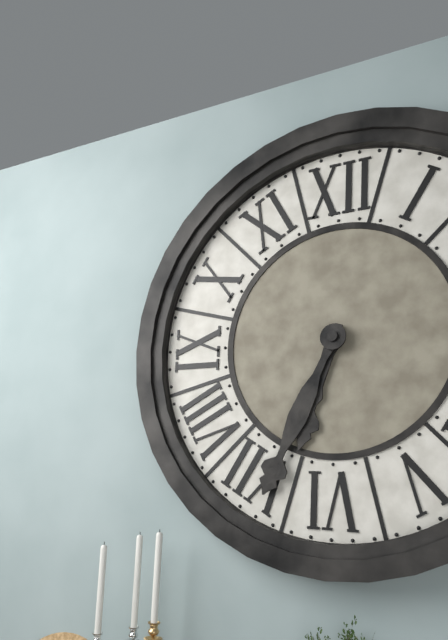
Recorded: h=6 m=34
